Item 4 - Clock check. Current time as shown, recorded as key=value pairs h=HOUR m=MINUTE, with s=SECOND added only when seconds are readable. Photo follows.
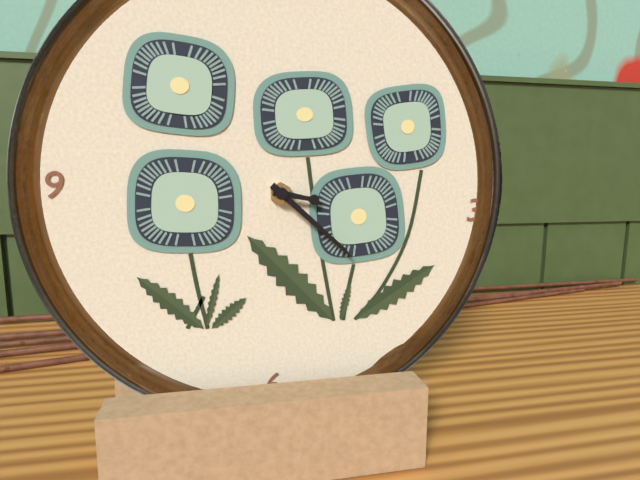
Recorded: h=3 m=22
